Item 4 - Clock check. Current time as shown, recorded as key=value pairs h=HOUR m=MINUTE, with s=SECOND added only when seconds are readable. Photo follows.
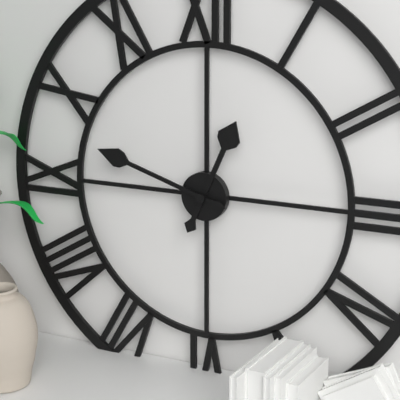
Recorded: h=12 m=48
